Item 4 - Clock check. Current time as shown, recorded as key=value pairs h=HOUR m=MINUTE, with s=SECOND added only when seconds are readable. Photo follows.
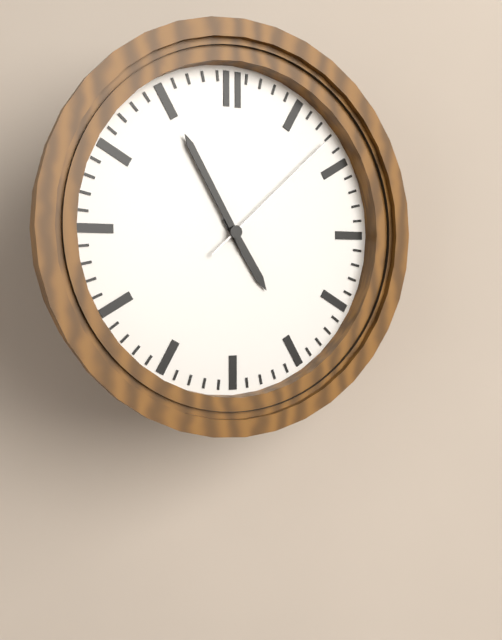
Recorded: h=4 m=55 s=8
